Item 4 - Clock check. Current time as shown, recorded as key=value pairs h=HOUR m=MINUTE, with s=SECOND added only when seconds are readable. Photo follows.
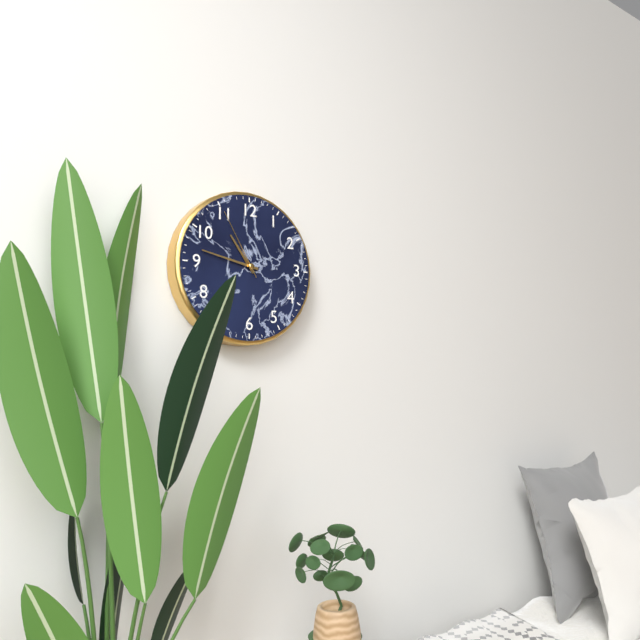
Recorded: h=10 m=47 s=55
